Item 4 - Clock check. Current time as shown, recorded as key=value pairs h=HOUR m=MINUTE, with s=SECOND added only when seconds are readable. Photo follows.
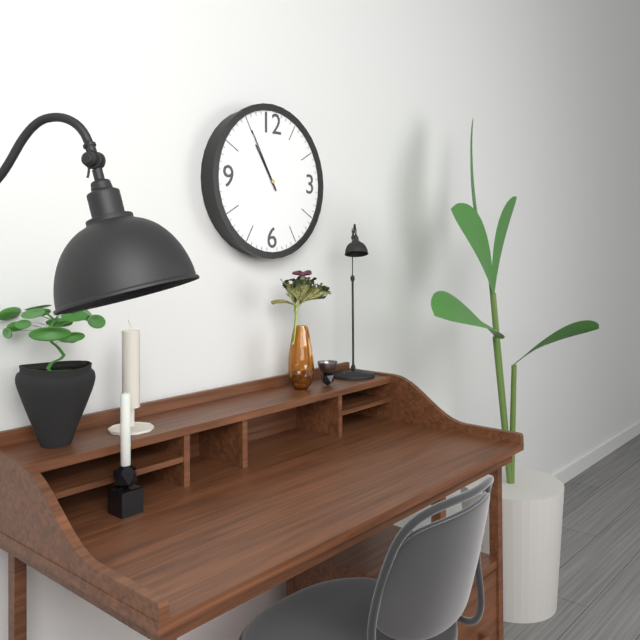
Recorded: h=10 m=55
